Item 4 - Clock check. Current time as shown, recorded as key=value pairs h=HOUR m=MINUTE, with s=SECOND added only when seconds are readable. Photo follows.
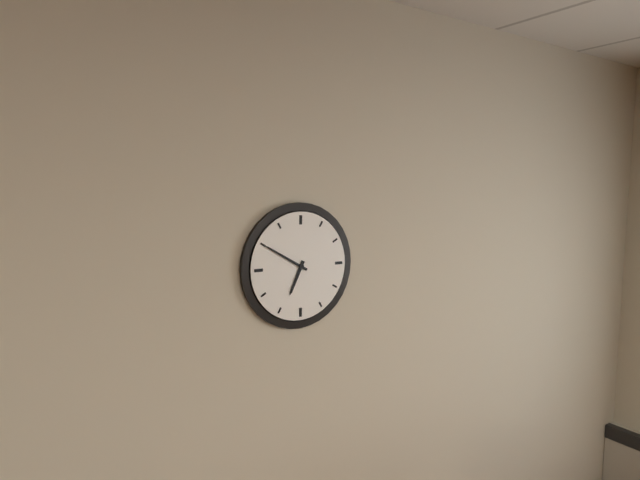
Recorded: h=6 m=50
